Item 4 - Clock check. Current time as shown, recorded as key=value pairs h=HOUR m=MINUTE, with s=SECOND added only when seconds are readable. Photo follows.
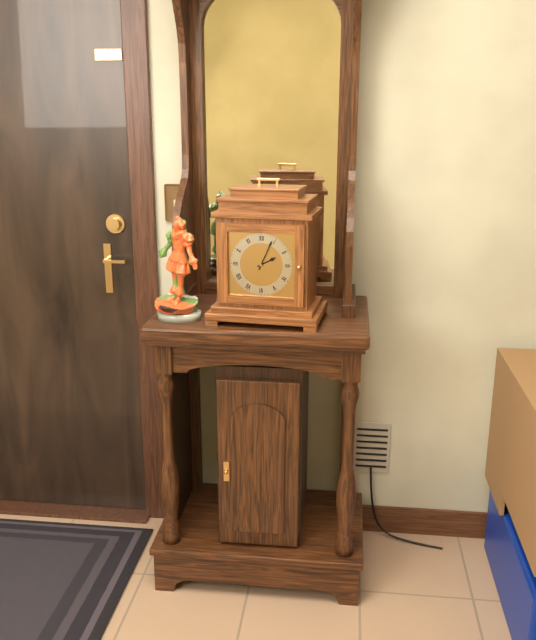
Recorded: h=2 m=4
